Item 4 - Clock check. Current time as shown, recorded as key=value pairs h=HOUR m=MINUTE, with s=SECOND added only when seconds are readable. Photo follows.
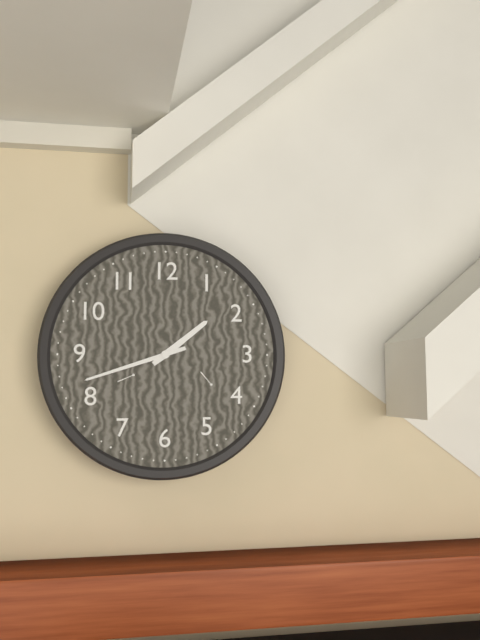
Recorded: h=1 m=42
